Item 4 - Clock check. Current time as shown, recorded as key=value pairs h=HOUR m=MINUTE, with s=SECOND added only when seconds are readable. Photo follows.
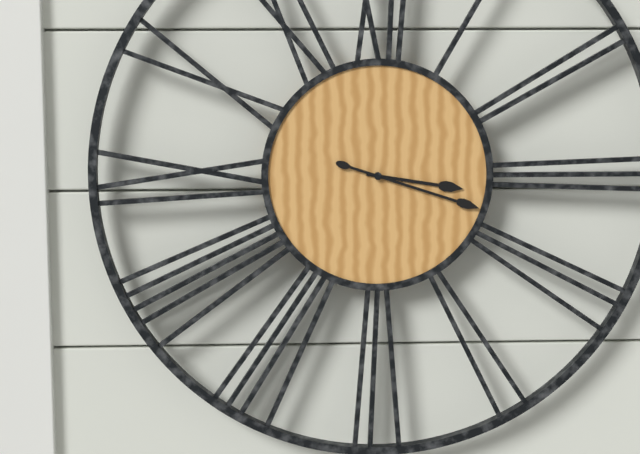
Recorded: h=3 m=18
